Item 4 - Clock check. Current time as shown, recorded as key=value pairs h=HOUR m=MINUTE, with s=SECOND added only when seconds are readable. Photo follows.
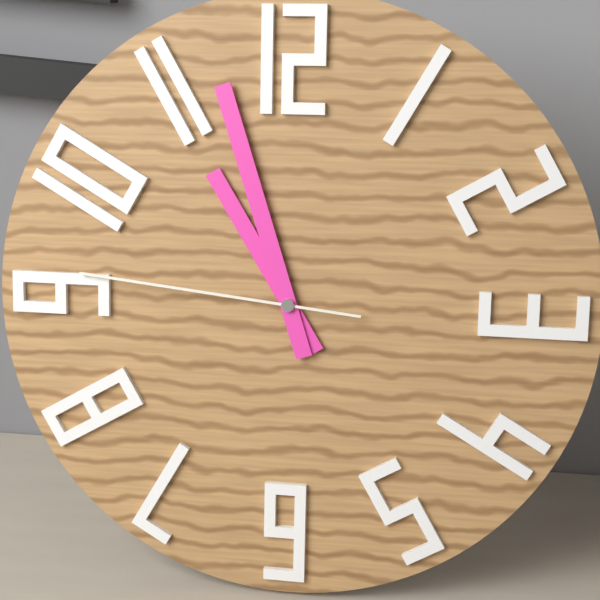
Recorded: h=10 m=57 s=46
